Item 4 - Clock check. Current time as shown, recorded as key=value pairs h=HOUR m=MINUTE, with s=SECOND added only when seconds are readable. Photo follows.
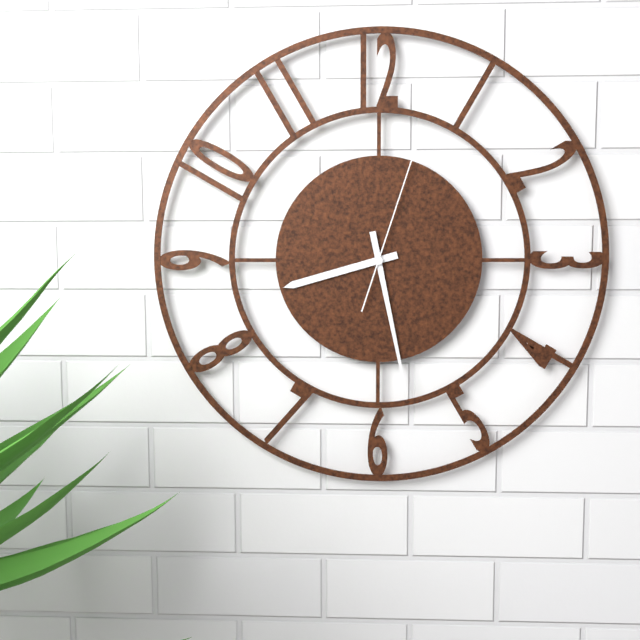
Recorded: h=8 m=28 s=3
